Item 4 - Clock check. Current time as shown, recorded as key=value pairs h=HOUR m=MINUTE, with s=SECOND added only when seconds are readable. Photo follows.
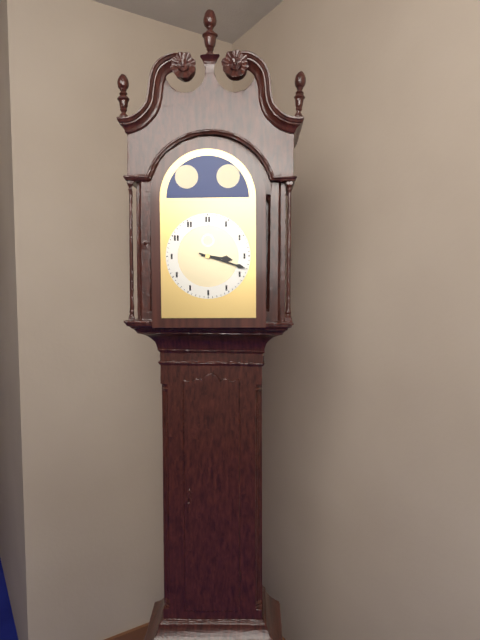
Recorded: h=3 m=18
